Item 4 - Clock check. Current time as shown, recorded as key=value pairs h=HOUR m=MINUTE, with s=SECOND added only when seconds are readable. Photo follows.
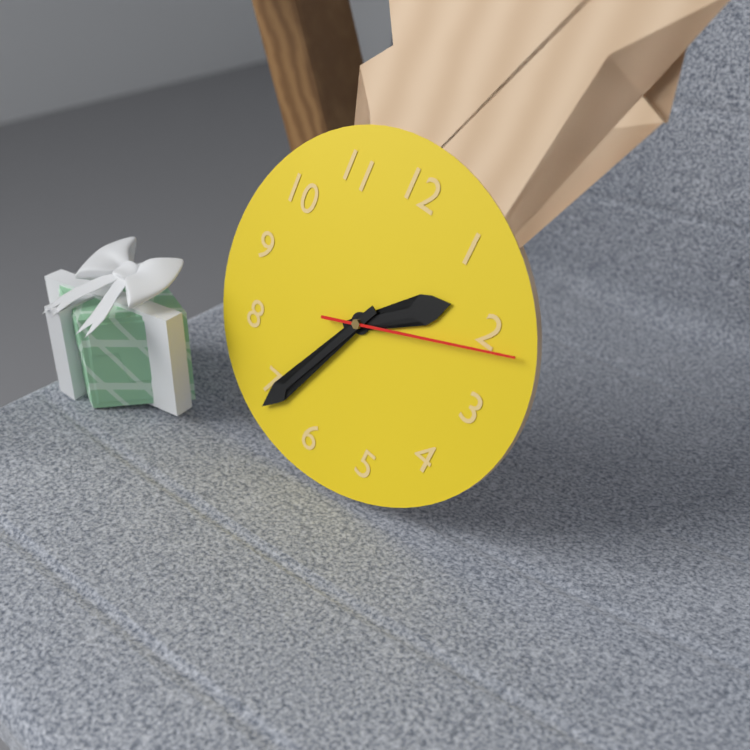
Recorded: h=1 m=34 s=11
